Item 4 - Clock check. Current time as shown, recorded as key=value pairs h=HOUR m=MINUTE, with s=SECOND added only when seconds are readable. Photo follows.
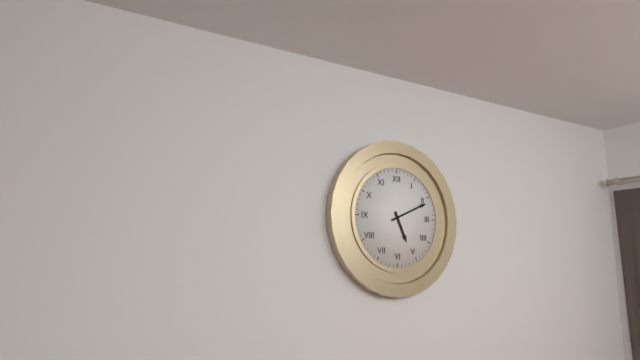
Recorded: h=5 m=11
